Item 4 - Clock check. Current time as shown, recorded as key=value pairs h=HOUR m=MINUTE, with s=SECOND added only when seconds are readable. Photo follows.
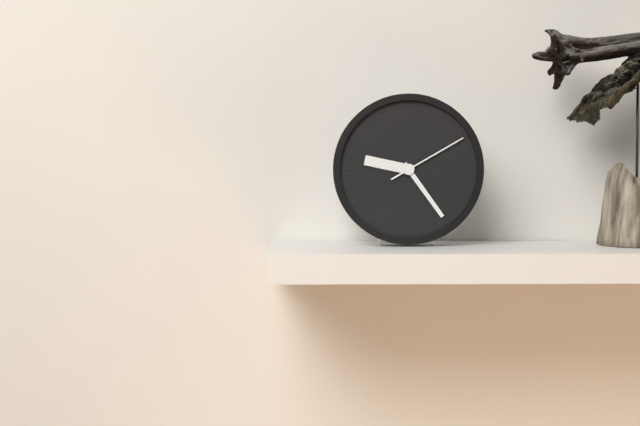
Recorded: h=9 m=24 s=10
